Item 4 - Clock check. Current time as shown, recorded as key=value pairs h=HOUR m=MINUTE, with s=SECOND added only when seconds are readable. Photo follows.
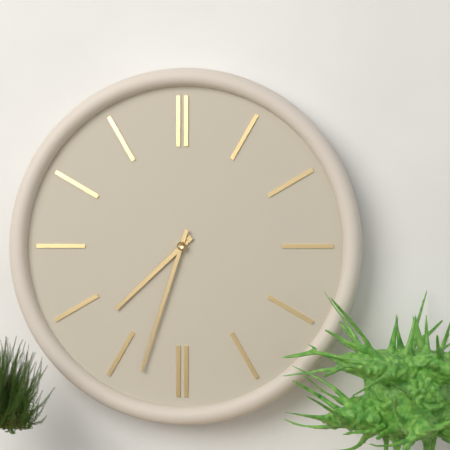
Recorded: h=7 m=33
